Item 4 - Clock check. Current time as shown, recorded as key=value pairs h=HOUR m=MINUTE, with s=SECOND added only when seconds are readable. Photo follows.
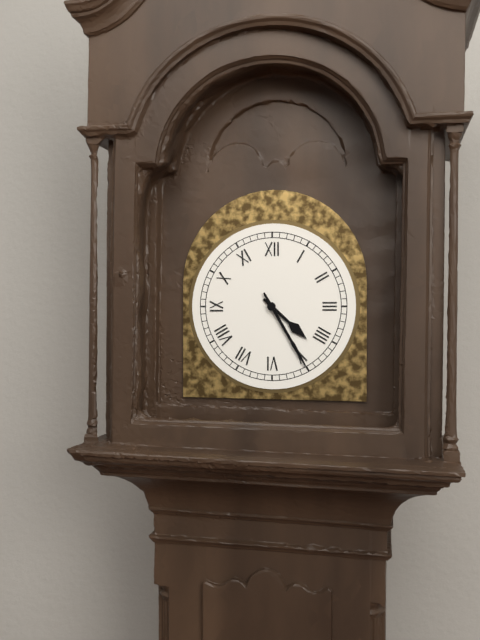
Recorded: h=4 m=25
